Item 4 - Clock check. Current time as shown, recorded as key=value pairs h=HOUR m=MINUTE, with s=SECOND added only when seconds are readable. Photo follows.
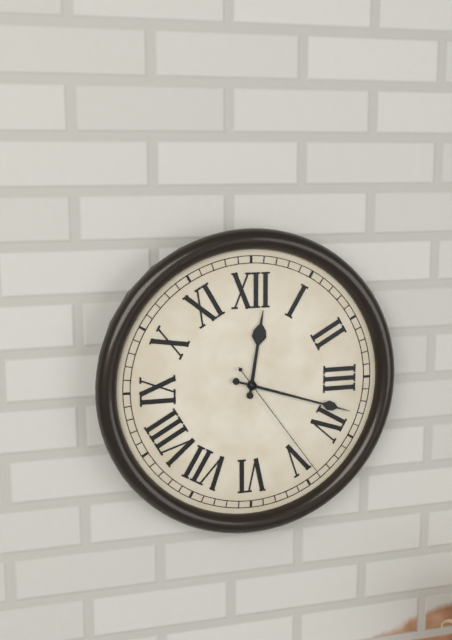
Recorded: h=12 m=18 s=24
